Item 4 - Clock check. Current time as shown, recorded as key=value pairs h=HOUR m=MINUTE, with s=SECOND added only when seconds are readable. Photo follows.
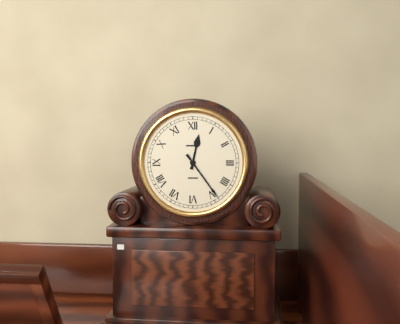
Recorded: h=12 m=24
